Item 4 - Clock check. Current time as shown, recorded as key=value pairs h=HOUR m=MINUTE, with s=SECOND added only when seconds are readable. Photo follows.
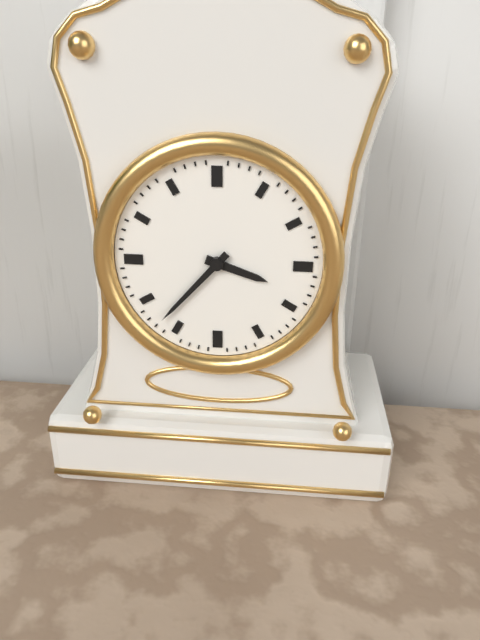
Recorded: h=3 m=37
